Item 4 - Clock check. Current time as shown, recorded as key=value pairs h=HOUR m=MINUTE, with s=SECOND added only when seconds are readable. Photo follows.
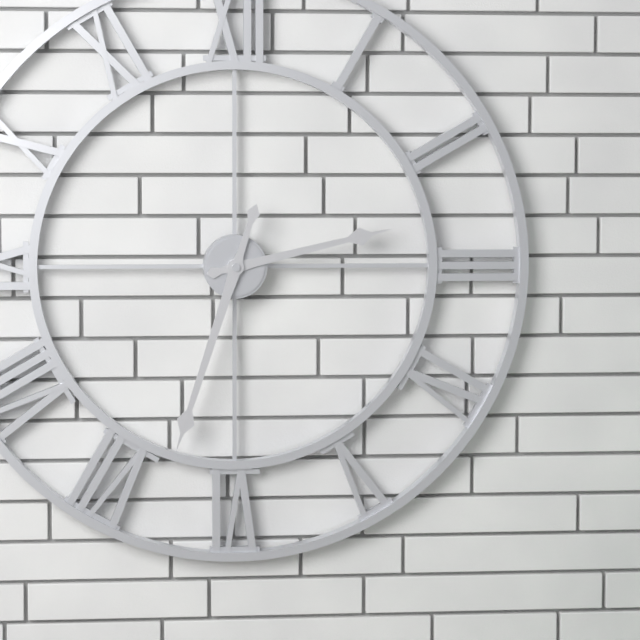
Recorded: h=2 m=33
